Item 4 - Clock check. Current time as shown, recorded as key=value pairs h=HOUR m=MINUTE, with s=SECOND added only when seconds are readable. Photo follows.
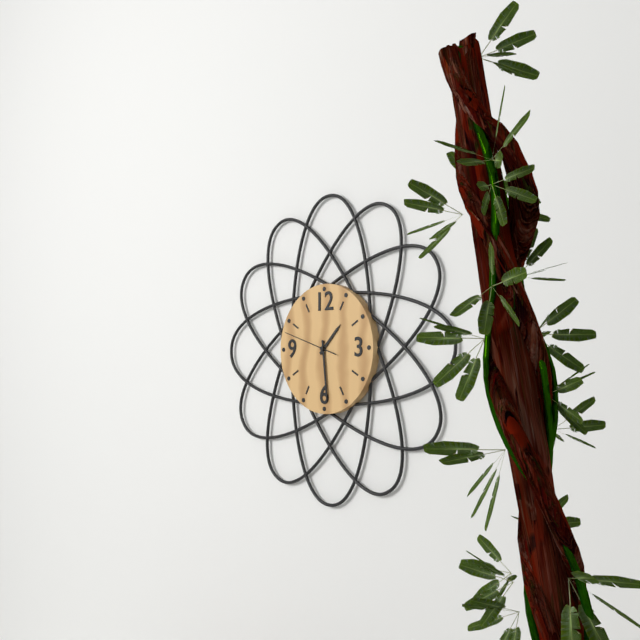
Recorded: h=1 m=29 s=48
